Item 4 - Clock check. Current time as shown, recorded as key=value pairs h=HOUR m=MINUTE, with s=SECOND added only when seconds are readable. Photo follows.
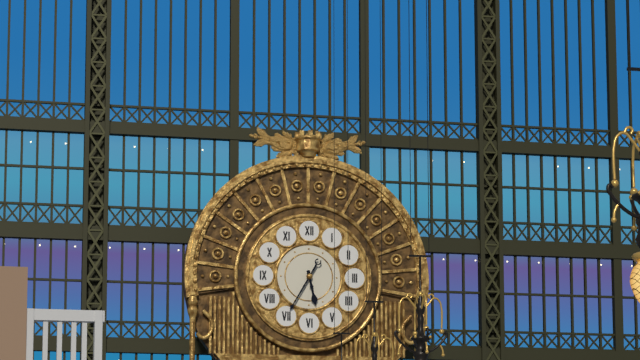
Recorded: h=5 m=35
